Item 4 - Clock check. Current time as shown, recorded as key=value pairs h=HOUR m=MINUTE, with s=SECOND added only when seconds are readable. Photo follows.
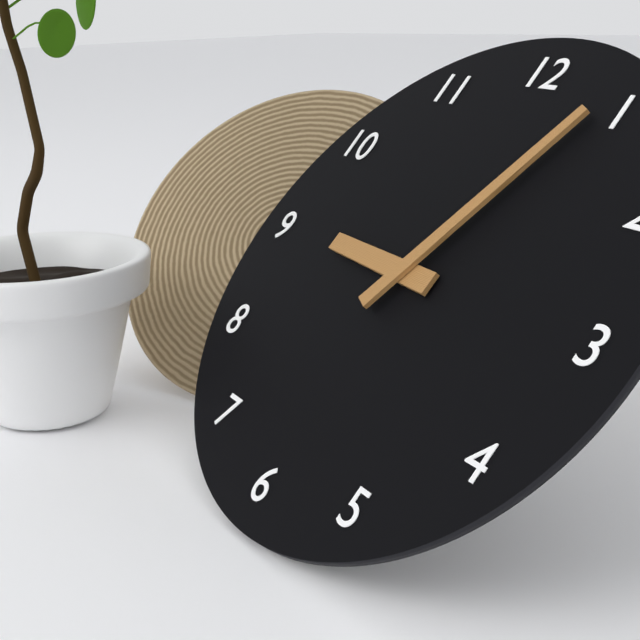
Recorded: h=9 m=4
